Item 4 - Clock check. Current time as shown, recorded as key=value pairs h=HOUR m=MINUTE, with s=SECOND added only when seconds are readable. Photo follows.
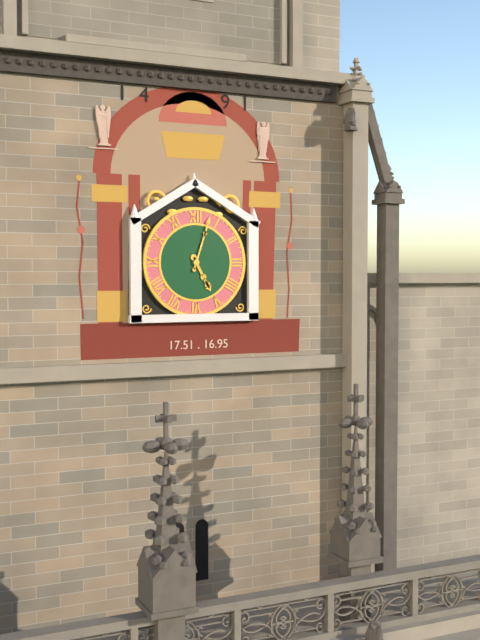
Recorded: h=5 m=3
